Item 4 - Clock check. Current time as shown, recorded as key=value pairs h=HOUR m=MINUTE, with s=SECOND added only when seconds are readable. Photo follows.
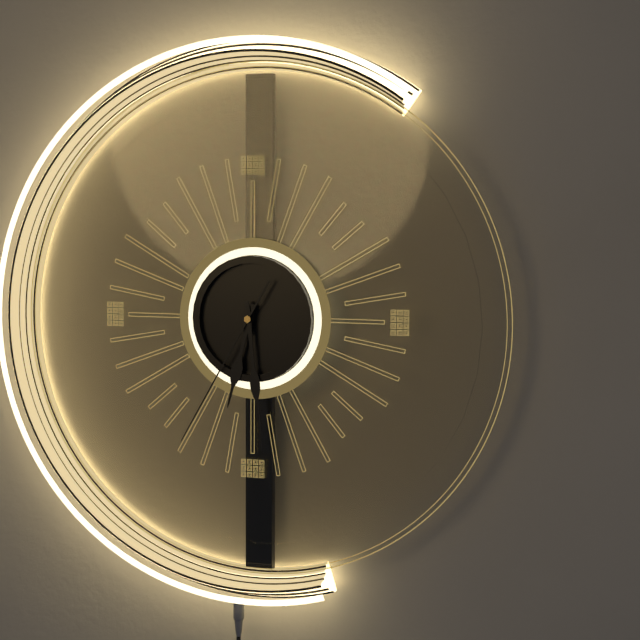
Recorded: h=6 m=29 s=35
